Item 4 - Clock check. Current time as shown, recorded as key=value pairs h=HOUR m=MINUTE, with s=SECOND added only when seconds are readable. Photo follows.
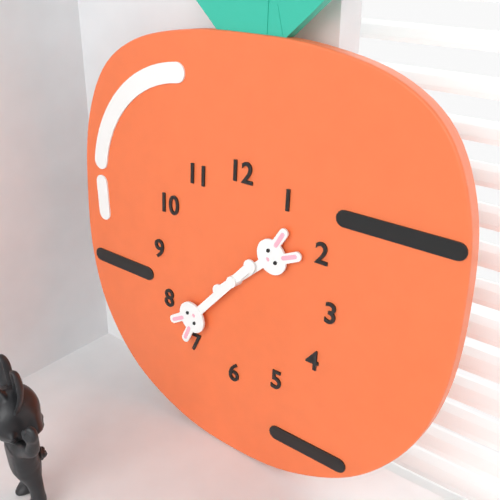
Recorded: h=1 m=37
